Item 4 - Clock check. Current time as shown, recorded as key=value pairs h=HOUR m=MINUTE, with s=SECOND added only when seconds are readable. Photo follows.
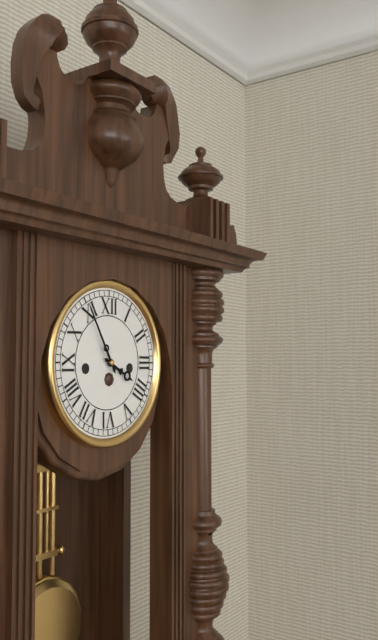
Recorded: h=3 m=55
